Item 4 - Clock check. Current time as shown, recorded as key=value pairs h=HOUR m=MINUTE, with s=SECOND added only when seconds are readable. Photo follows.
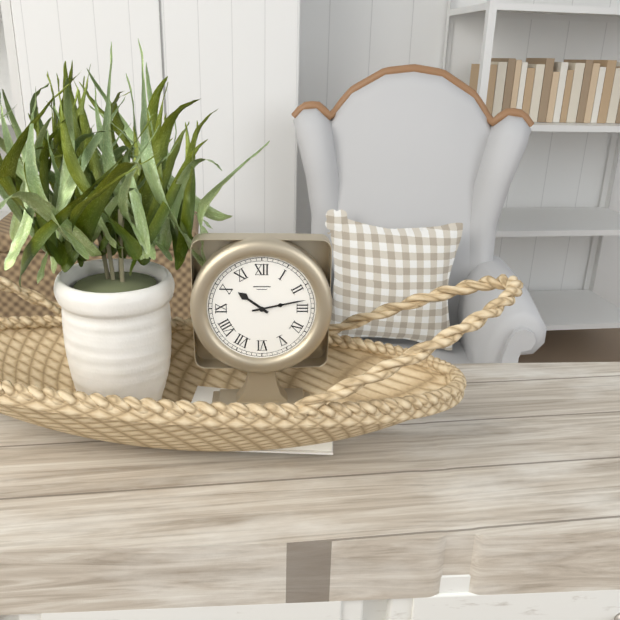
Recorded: h=10 m=13
